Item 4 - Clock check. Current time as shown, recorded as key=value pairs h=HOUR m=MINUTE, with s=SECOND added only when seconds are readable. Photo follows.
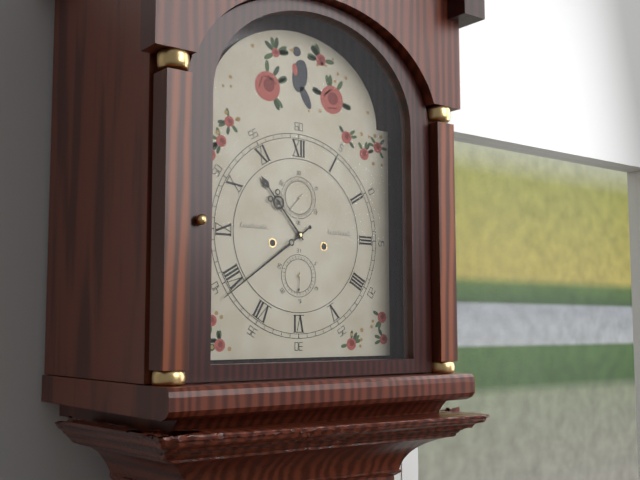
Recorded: h=10 m=39
